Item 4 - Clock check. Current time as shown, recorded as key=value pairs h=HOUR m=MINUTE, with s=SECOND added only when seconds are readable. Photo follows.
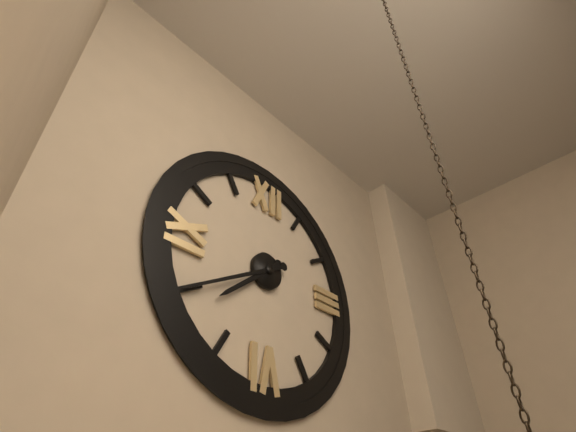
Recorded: h=7 m=40
